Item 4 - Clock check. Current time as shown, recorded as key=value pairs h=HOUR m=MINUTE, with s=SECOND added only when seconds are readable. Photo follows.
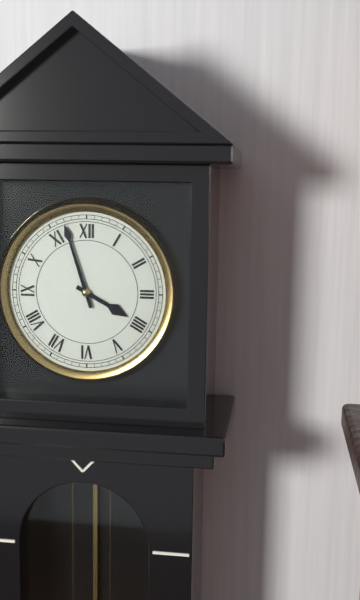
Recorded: h=3 m=57
